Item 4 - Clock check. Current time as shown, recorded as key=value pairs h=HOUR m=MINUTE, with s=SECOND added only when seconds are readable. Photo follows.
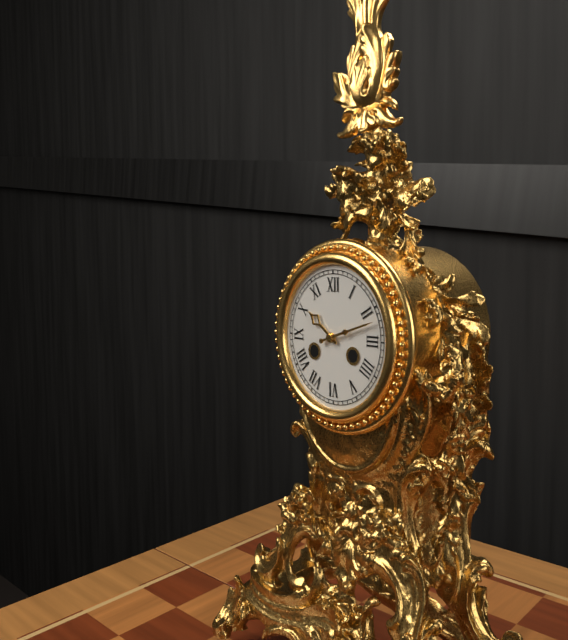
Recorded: h=10 m=12
